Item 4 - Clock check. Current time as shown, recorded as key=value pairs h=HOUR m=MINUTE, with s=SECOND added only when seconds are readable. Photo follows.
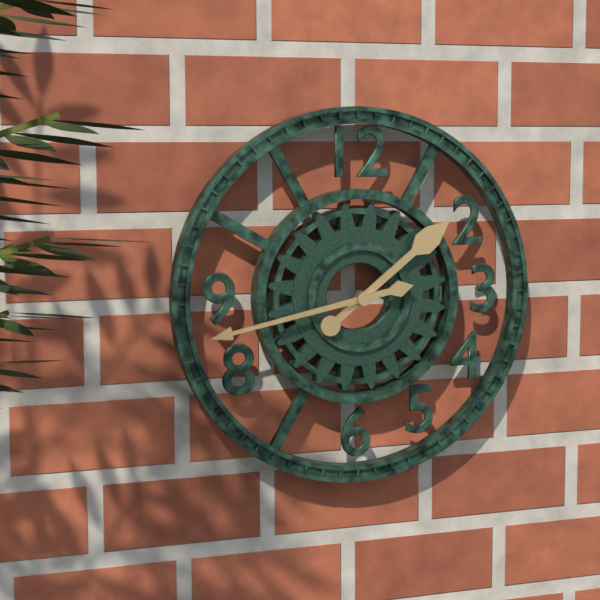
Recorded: h=1 m=43
